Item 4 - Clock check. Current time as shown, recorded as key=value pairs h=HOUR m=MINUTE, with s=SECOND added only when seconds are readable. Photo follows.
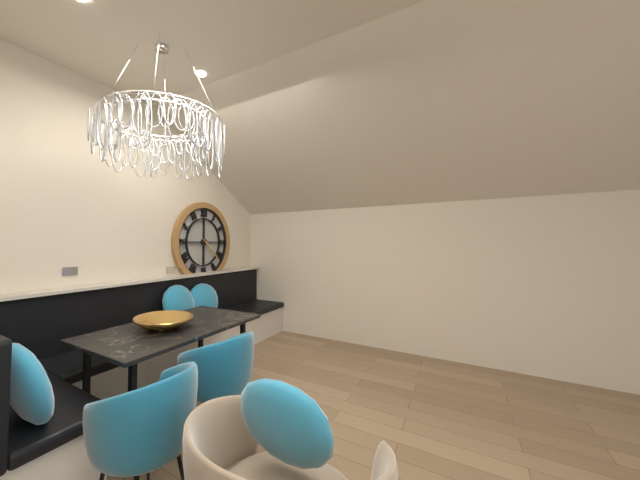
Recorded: h=4 m=22
